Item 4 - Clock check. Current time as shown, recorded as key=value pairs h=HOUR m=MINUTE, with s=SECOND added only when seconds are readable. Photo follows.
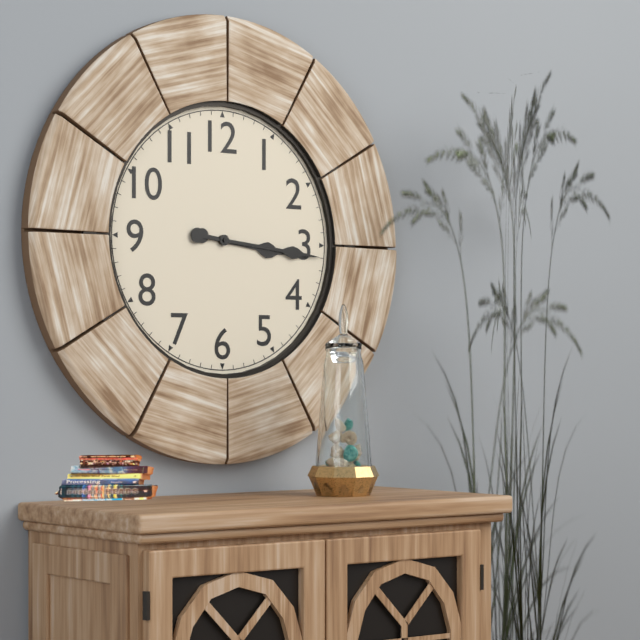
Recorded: h=3 m=16
